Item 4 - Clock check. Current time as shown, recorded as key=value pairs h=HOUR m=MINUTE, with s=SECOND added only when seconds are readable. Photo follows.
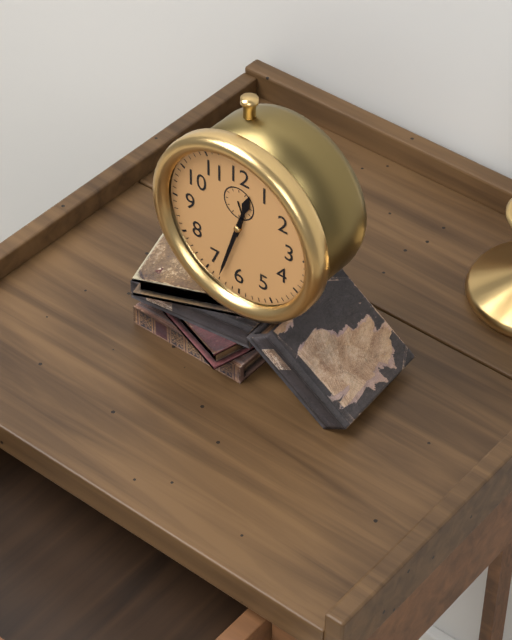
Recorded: h=12 m=33
